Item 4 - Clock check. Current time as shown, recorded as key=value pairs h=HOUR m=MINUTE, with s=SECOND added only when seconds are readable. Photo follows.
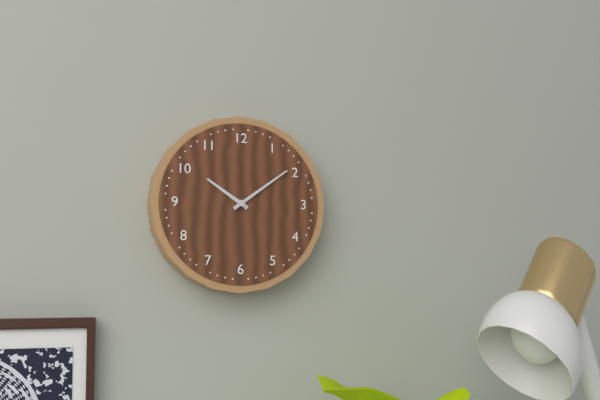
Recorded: h=10 m=9
